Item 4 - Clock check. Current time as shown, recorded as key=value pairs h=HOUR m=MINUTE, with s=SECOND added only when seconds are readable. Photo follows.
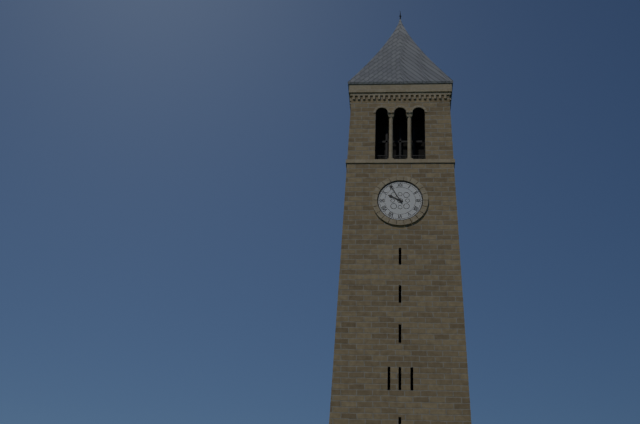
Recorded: h=9 m=55
